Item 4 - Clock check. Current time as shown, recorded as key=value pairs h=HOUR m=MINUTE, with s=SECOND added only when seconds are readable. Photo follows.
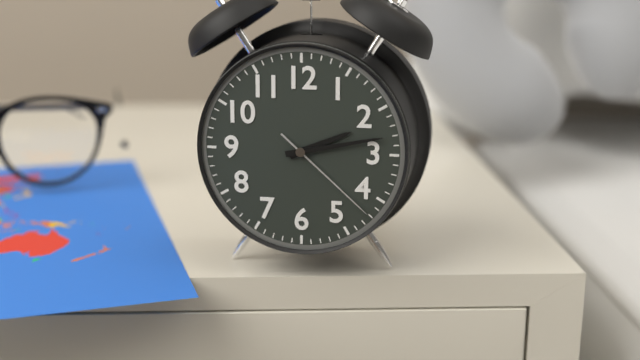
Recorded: h=2 m=13 s=22
